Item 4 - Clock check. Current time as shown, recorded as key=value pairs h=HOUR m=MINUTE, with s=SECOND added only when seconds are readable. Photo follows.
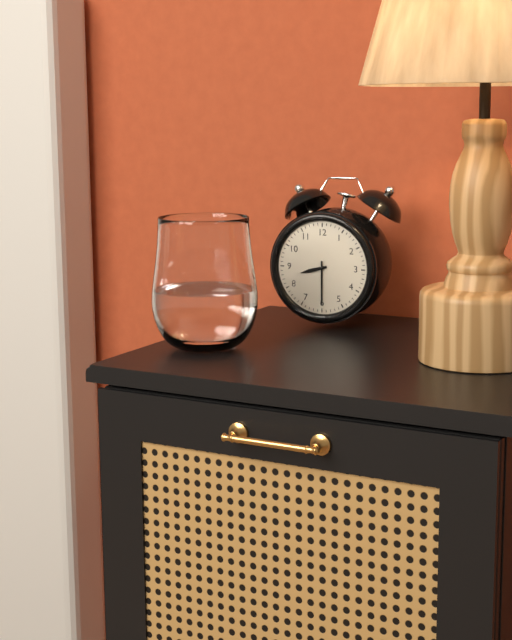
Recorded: h=8 m=30
